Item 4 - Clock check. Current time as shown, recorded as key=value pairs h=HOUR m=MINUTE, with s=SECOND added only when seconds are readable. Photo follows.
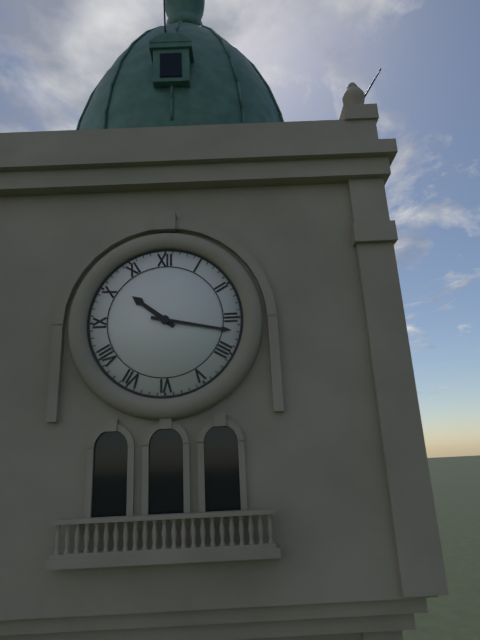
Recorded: h=10 m=17
